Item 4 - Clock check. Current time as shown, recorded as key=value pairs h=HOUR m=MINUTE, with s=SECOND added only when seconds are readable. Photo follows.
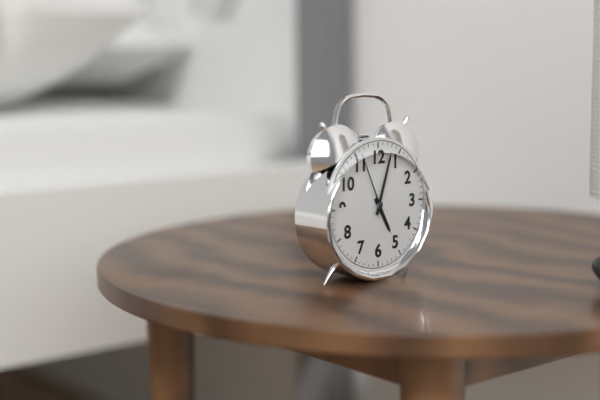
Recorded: h=5 m=3 s=56
